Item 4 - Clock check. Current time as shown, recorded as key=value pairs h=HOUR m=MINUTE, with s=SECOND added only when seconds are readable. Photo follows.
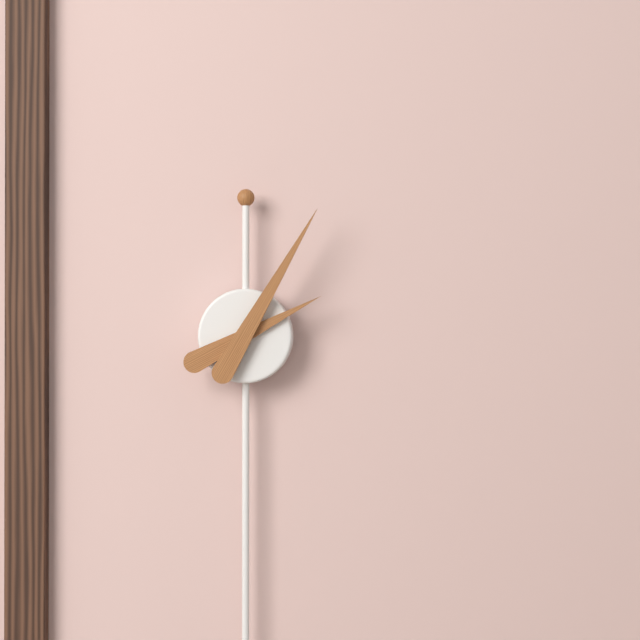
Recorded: h=2 m=5
